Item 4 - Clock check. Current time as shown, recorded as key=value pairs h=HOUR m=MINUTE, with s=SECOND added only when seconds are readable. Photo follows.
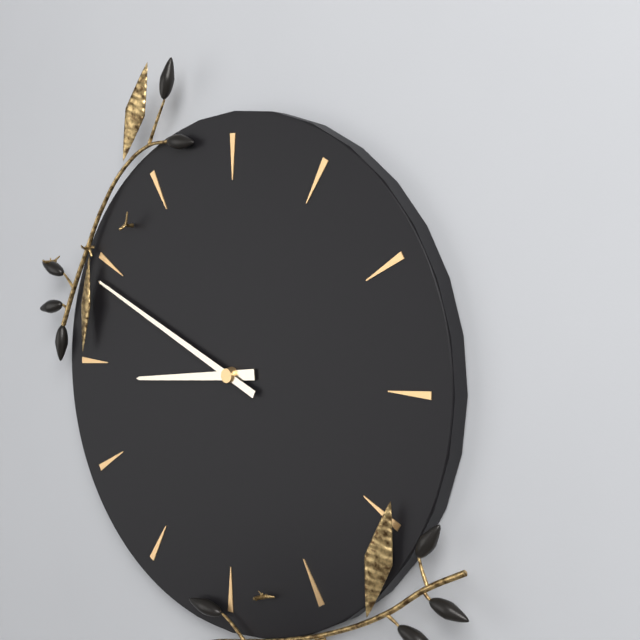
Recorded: h=8 m=49
